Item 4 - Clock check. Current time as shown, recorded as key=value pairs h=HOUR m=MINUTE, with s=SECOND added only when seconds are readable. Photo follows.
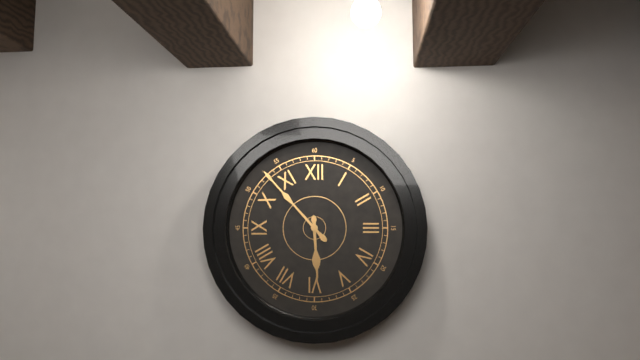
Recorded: h=5 m=53
